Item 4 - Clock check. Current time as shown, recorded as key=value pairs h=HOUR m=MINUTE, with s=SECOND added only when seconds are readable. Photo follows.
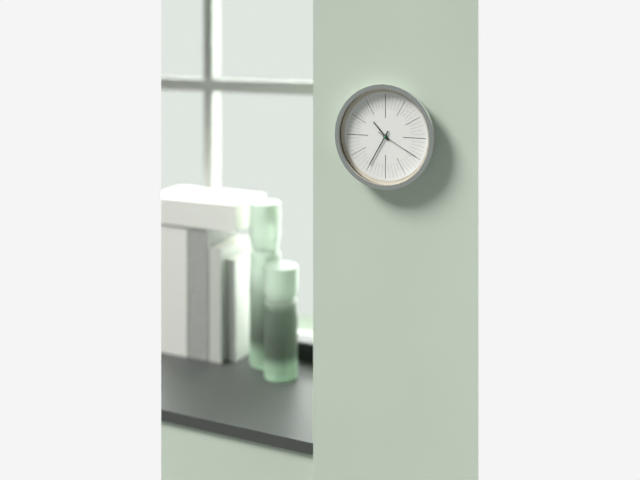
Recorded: h=10 m=35
